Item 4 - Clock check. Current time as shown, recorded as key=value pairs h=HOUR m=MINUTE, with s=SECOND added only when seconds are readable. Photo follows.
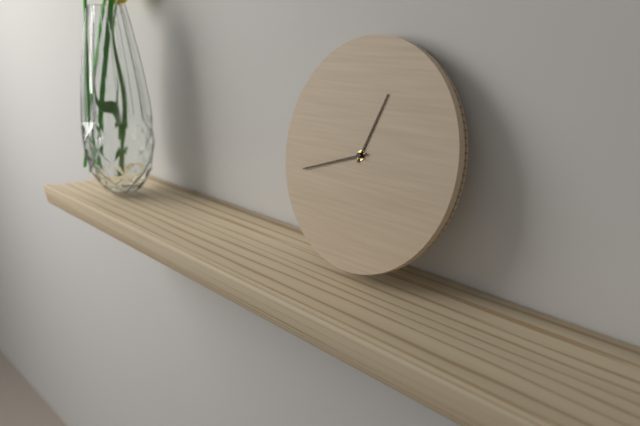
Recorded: h=12 m=42
